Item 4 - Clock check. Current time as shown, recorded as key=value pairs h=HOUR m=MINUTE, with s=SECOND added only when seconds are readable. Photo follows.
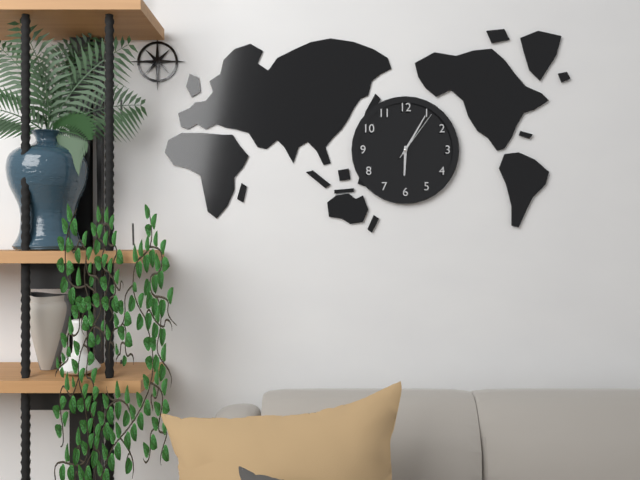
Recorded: h=6 m=5 s=6
